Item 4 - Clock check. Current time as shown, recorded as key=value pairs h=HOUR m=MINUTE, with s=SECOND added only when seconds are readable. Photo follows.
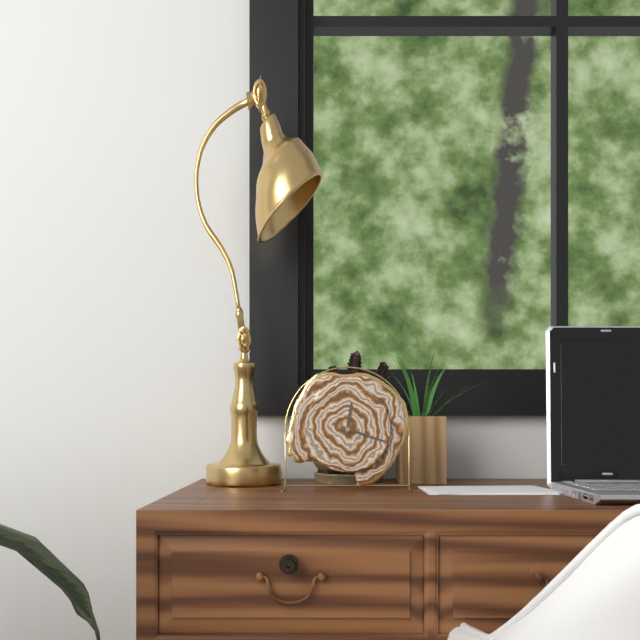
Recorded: h=12 m=18
